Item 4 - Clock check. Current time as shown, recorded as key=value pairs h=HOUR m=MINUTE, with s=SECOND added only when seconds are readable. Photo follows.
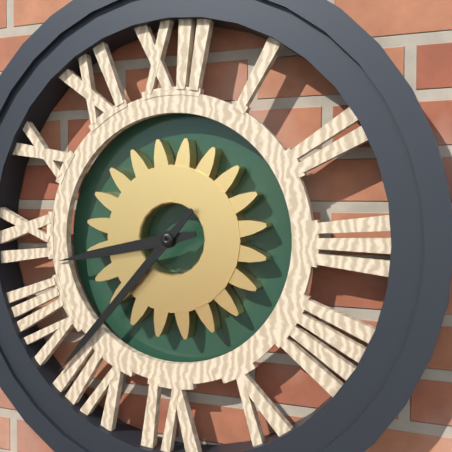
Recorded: h=8 m=37
